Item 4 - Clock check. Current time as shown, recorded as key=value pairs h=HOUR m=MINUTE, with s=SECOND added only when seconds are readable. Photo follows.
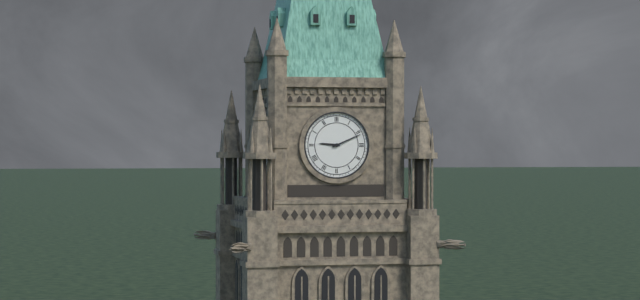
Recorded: h=9 m=11
